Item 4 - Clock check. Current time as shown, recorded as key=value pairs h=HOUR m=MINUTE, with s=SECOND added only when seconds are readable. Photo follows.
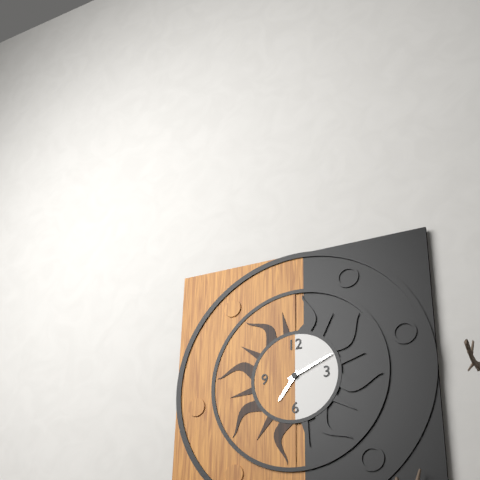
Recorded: h=7 m=11
